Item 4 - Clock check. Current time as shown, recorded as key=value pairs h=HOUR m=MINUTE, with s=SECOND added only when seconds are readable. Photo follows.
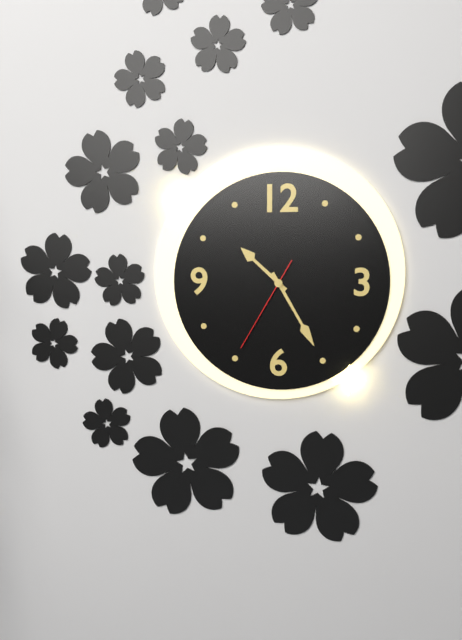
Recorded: h=10 m=25 s=35
